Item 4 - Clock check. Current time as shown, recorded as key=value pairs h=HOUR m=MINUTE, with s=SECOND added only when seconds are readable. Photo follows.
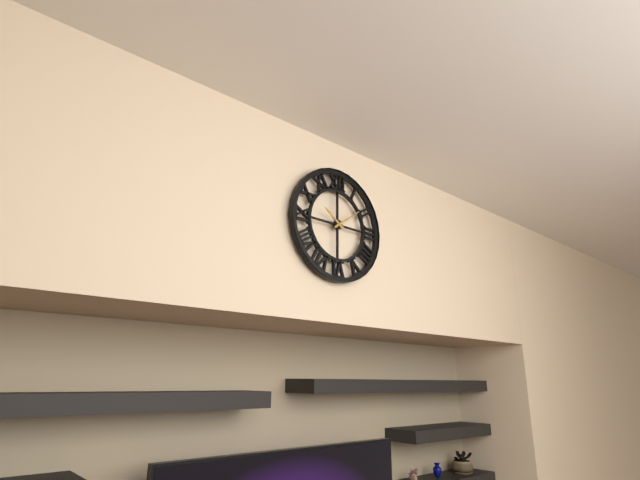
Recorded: h=10 m=9
